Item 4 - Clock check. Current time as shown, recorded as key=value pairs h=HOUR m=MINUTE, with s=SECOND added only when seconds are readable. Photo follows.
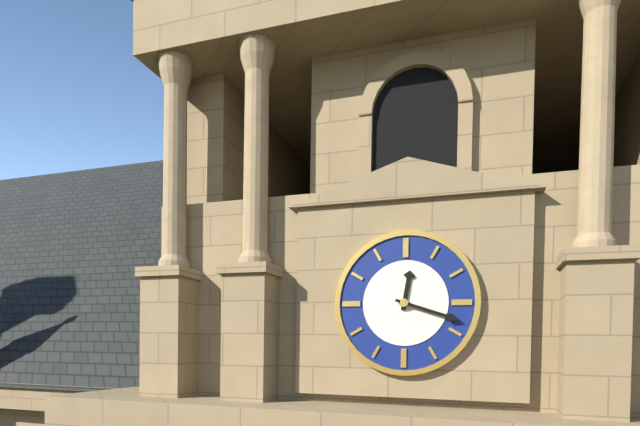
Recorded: h=12 m=18
